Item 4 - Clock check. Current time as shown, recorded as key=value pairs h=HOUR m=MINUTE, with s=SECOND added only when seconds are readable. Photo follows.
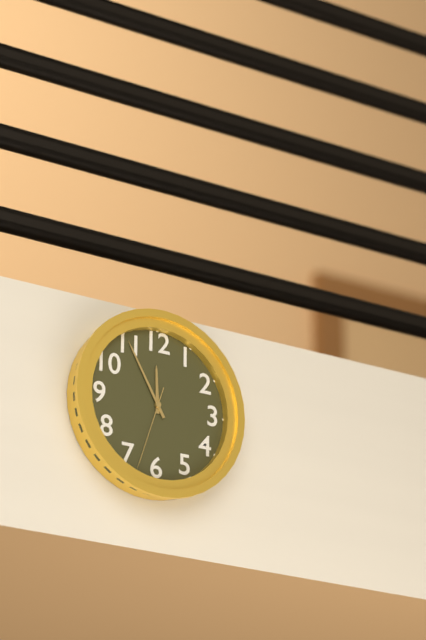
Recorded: h=11 m=55 s=33
